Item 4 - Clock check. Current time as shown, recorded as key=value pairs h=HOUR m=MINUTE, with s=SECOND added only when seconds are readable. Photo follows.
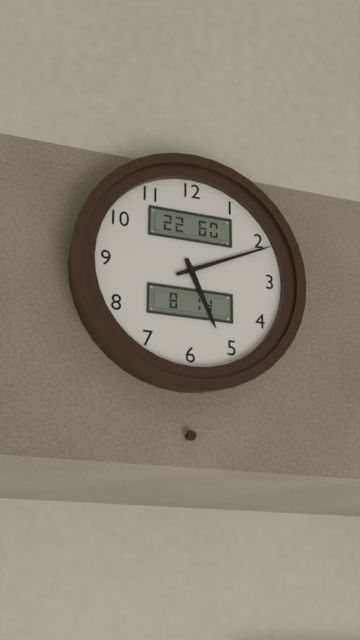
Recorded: h=5 m=11
